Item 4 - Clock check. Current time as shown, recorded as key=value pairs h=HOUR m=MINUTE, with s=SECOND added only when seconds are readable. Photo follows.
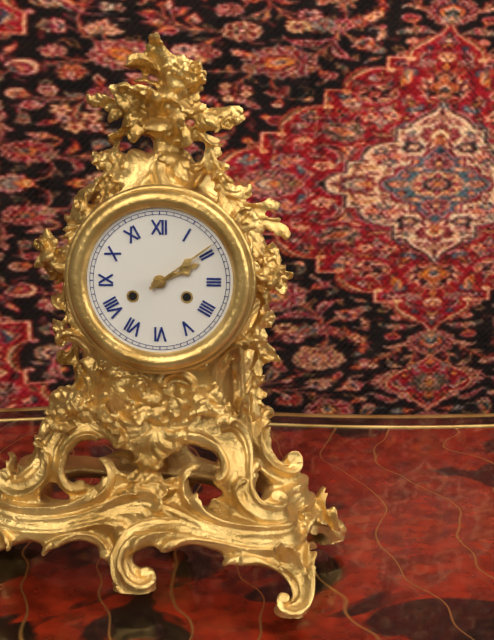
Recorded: h=2 m=9
